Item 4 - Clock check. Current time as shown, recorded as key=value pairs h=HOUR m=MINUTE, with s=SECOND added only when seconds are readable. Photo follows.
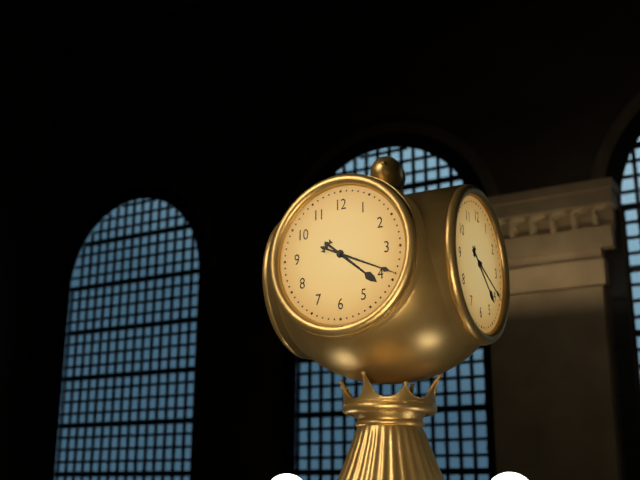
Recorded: h=4 m=19
